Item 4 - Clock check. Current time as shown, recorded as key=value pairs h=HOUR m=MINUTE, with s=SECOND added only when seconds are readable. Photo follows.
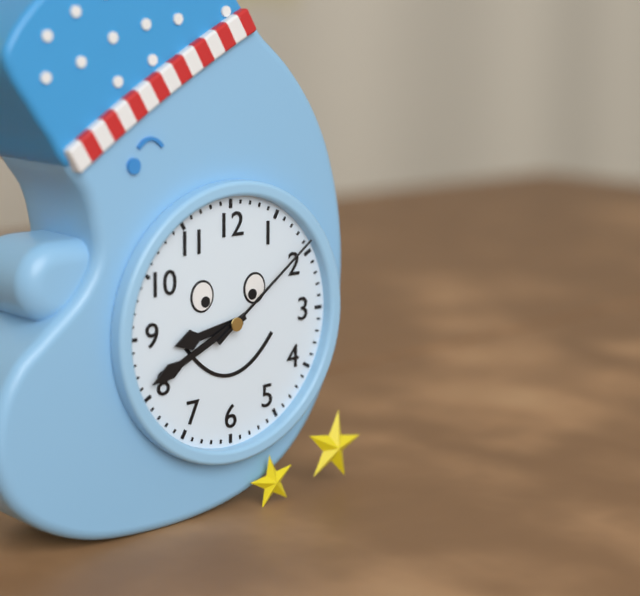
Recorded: h=8 m=41 s=9
